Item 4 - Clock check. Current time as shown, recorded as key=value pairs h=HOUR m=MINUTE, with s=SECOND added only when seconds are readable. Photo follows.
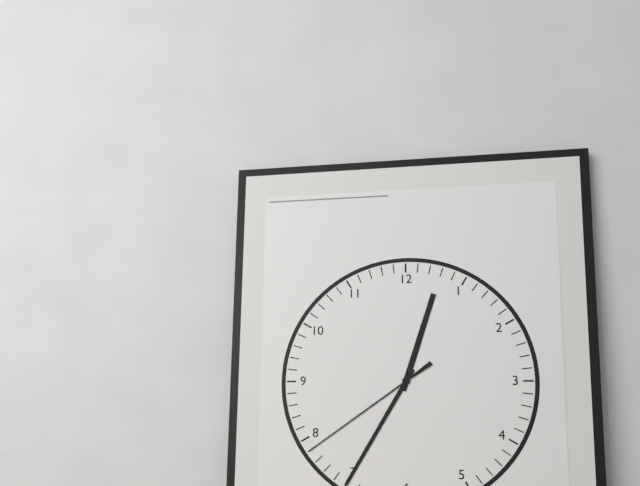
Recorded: h=12 m=35 s=39
